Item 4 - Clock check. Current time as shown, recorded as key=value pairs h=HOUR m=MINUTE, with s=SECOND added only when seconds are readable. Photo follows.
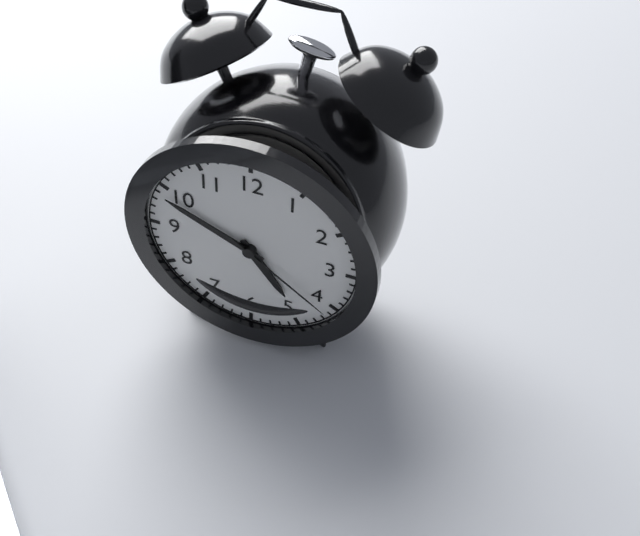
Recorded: h=4 m=49 s=21
